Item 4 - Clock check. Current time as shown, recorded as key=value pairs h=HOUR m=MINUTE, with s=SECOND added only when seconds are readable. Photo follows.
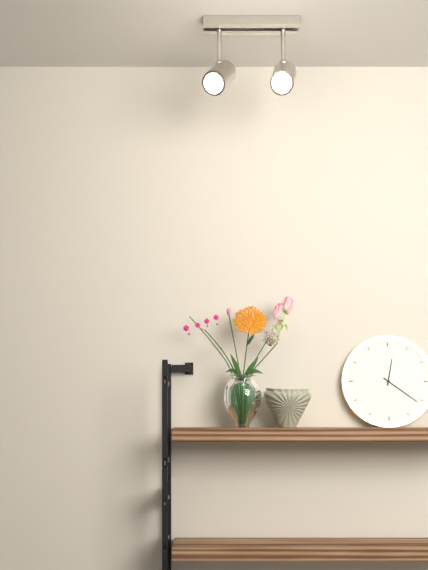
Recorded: h=12 m=21
